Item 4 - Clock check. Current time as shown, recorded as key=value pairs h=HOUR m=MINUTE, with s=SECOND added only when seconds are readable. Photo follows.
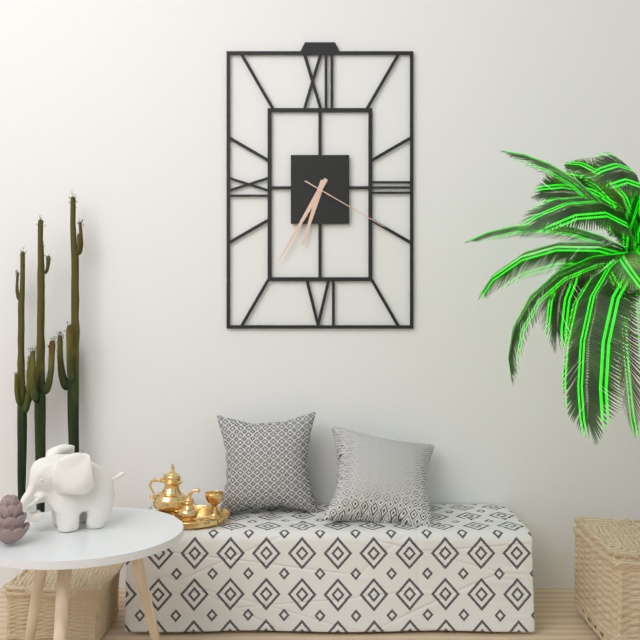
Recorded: h=6 m=35 s=20
